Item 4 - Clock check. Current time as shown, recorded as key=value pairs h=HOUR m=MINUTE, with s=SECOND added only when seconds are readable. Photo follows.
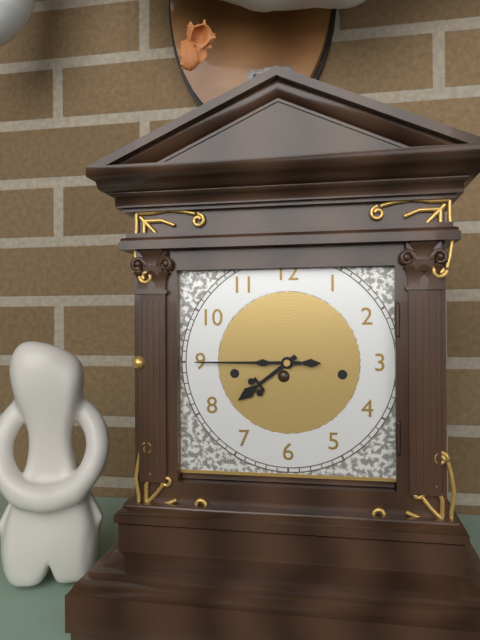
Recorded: h=7 m=45
